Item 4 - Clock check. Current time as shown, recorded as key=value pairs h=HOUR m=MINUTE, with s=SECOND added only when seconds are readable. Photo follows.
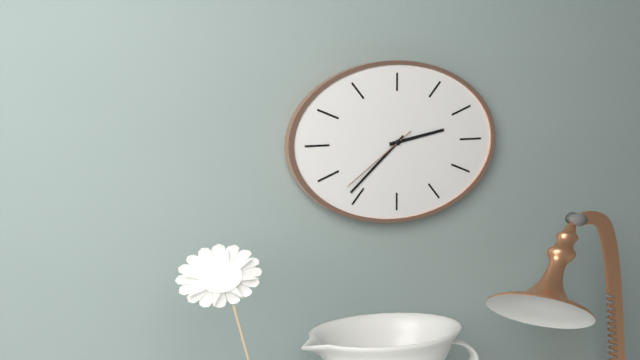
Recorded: h=2 m=38 s=39
